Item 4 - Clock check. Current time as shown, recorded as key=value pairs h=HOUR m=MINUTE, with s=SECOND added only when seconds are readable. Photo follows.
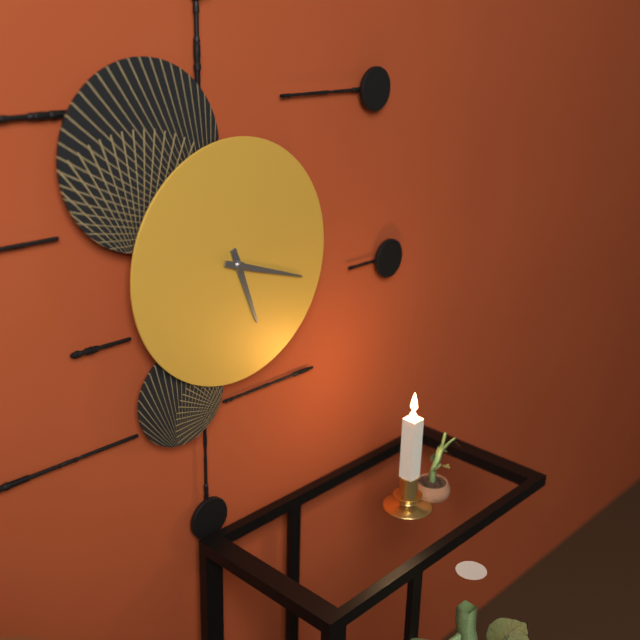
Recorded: h=5 m=18
